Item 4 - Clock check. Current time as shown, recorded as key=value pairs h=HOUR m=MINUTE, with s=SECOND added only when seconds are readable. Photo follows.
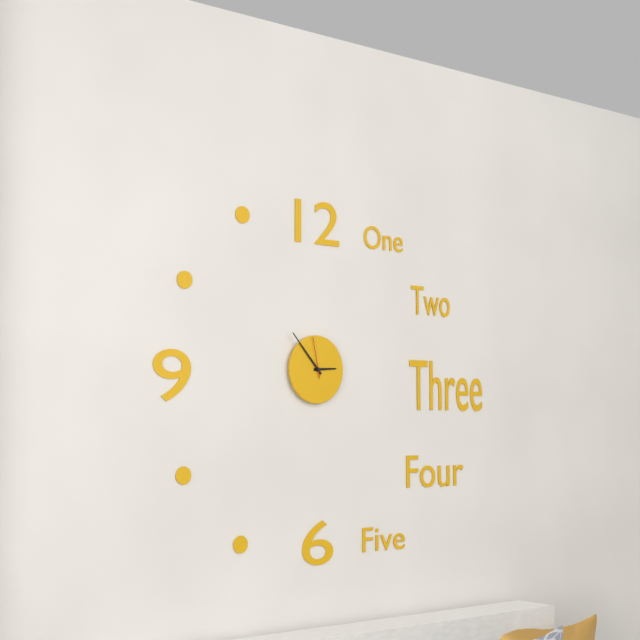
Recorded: h=2 m=53
